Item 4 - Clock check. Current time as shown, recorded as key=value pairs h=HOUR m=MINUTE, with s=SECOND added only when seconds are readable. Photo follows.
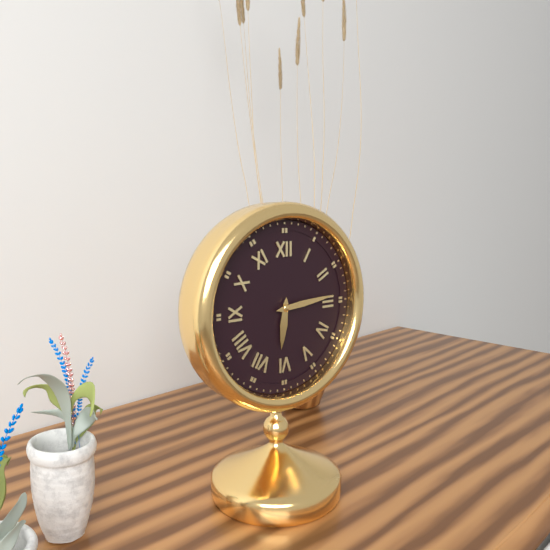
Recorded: h=6 m=14
